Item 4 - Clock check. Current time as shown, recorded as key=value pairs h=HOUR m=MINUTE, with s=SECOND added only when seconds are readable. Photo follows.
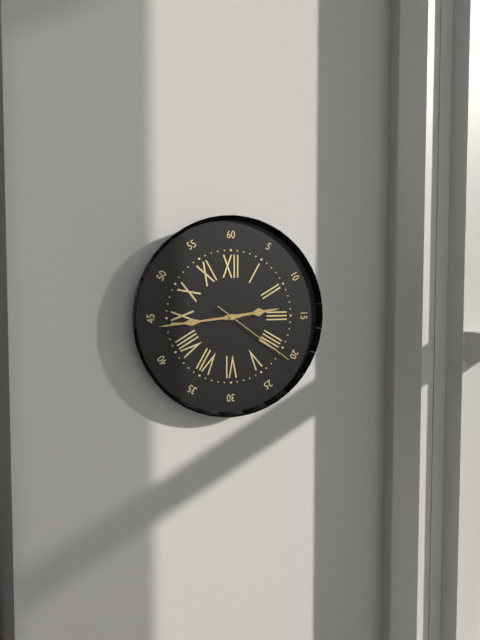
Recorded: h=2 m=44 s=21
